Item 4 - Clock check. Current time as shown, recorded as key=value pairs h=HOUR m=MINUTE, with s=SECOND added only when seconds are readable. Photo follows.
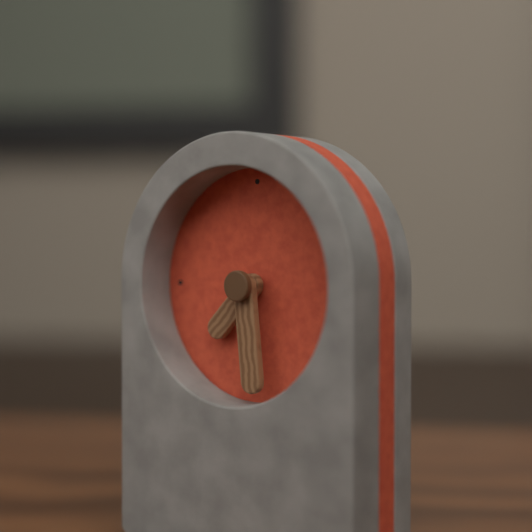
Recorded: h=7 m=29
